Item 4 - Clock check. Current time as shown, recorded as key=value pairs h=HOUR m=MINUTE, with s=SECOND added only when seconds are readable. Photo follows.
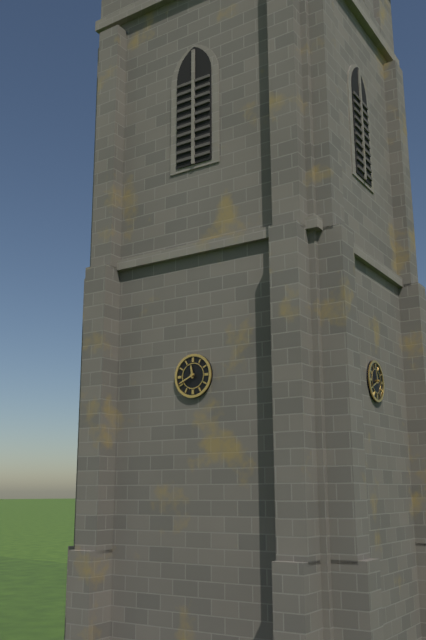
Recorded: h=11 m=41
